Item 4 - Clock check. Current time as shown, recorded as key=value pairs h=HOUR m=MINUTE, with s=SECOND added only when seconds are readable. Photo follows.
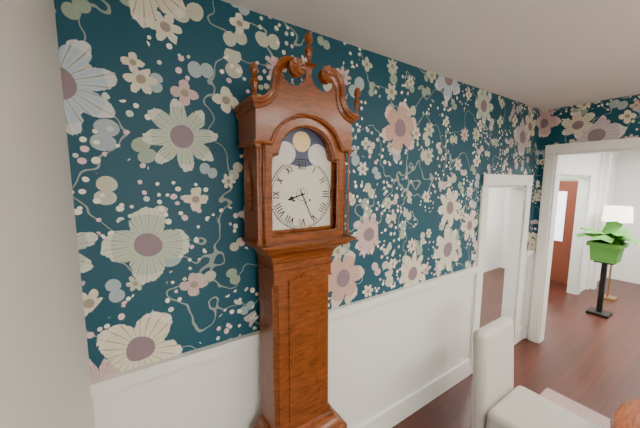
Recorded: h=8 m=26
